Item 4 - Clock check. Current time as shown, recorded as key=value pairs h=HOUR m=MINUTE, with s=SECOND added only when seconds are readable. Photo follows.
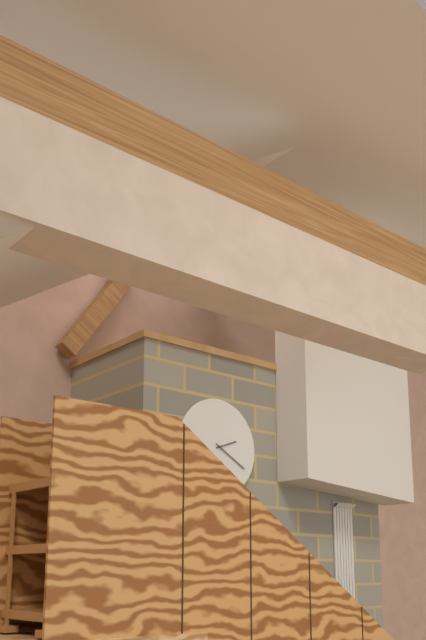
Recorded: h=2 m=20
